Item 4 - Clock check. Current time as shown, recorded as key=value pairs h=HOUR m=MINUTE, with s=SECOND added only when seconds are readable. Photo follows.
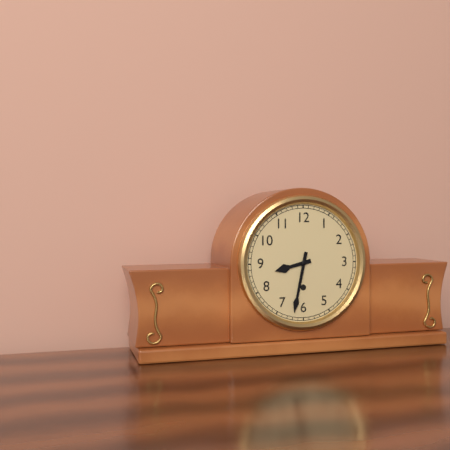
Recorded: h=8 m=32
